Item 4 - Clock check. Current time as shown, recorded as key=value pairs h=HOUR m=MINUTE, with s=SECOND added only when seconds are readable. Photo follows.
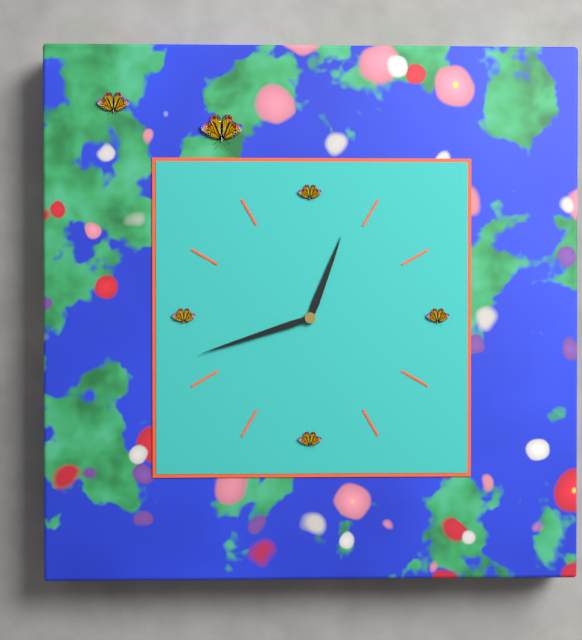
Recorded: h=12 m=42
